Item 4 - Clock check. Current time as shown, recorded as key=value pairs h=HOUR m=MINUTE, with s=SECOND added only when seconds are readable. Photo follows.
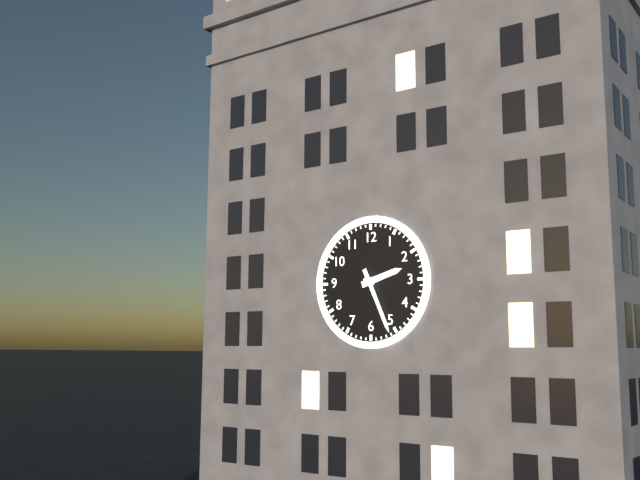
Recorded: h=2 m=26
